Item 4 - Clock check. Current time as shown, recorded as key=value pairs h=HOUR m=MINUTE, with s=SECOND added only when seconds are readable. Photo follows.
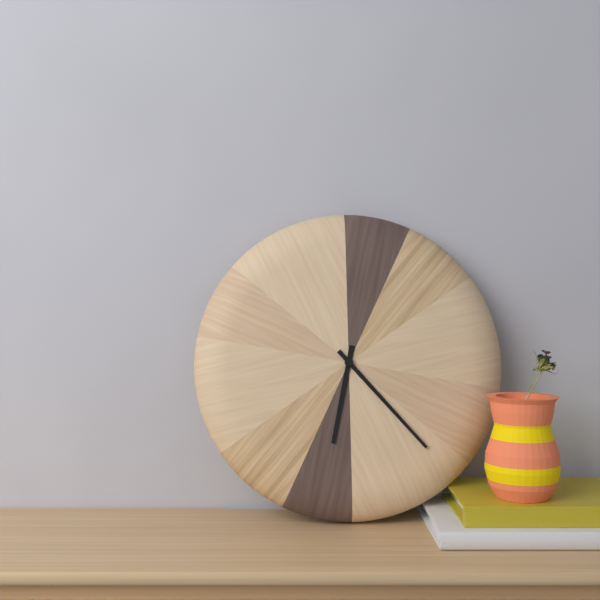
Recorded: h=6 m=23
